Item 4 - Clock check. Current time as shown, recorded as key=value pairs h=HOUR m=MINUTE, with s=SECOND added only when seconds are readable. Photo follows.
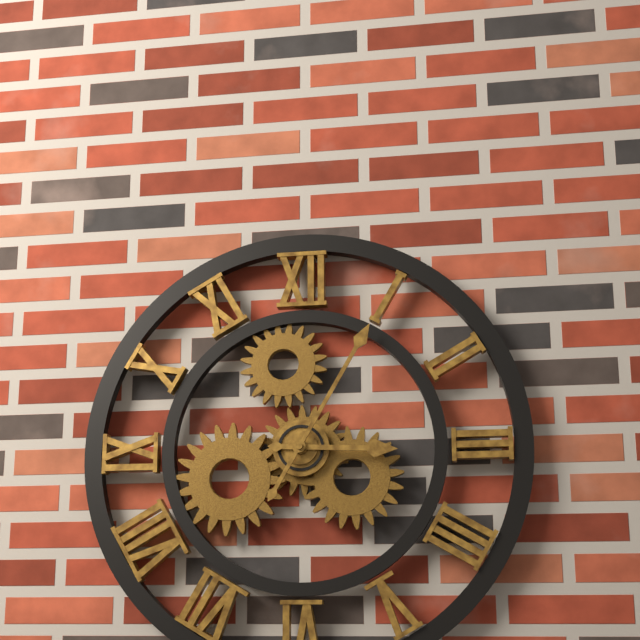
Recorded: h=3 m=5
